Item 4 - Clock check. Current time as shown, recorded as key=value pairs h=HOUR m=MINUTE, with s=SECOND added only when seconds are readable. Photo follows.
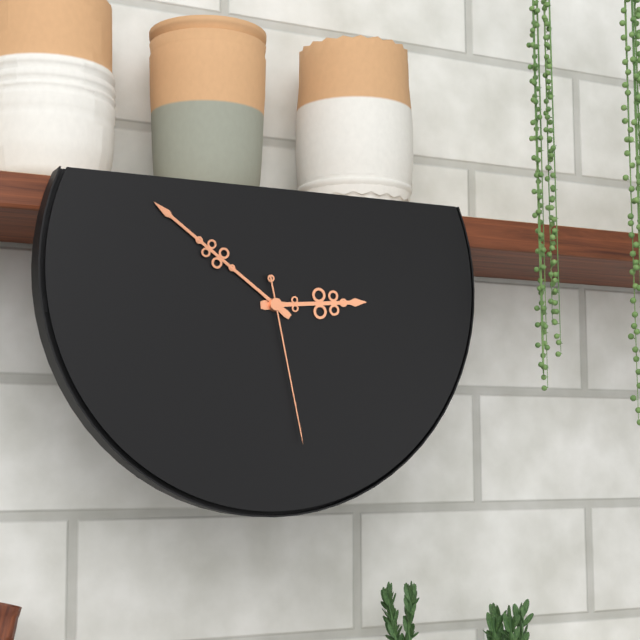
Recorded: h=2 m=51 s=28
